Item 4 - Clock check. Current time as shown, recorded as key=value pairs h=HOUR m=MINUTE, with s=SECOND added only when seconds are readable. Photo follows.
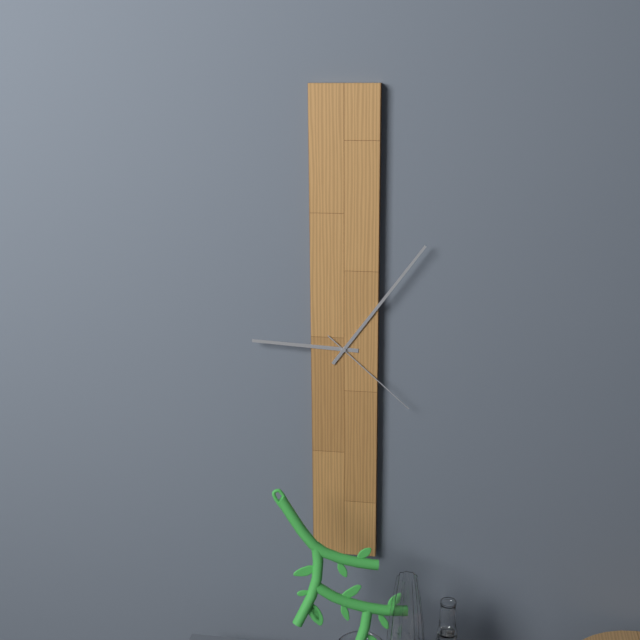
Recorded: h=9 m=6 s=22
